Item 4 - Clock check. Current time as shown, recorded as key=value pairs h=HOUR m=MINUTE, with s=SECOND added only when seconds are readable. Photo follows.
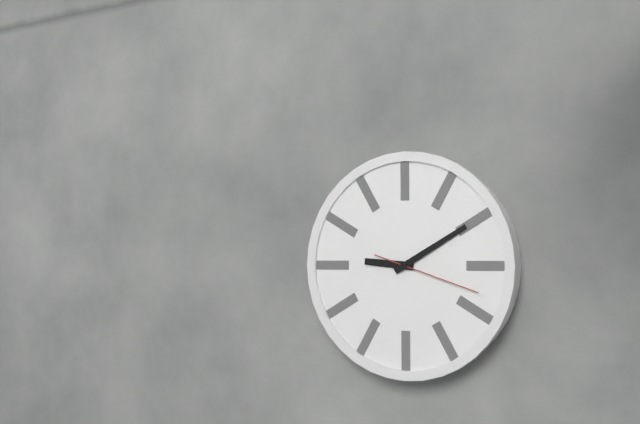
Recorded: h=9 m=10 s=18
